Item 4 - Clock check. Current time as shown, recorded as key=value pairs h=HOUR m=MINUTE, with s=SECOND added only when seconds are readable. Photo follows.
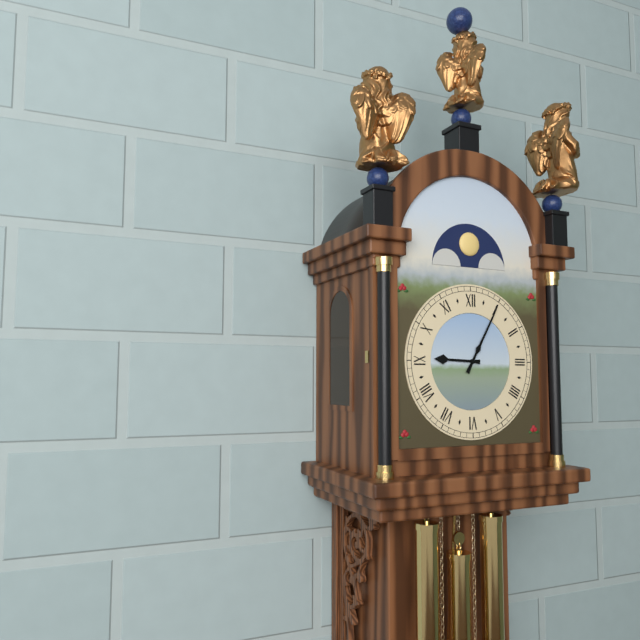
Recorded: h=9 m=5
